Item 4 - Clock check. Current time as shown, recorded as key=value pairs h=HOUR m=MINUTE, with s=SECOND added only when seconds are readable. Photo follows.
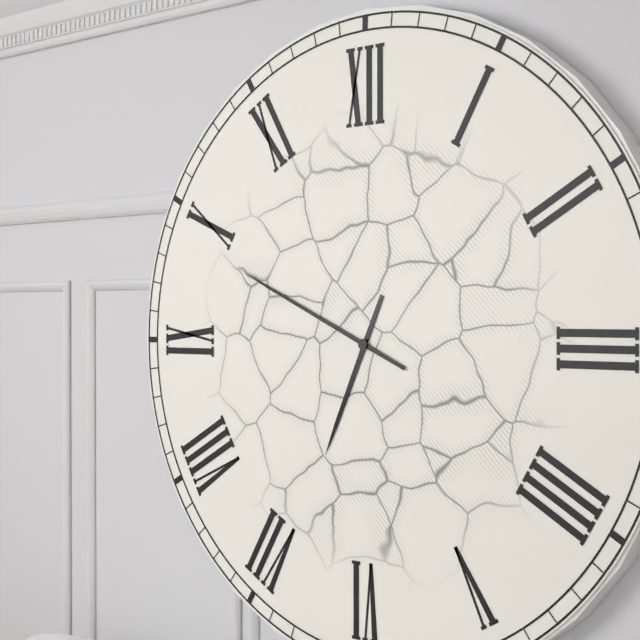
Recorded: h=6 m=49
